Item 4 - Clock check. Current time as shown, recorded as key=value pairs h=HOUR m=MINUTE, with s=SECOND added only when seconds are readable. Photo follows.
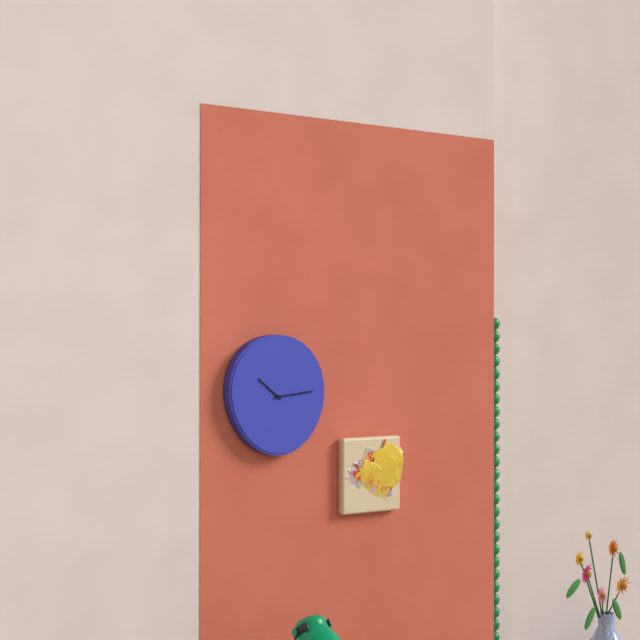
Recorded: h=10 m=14
